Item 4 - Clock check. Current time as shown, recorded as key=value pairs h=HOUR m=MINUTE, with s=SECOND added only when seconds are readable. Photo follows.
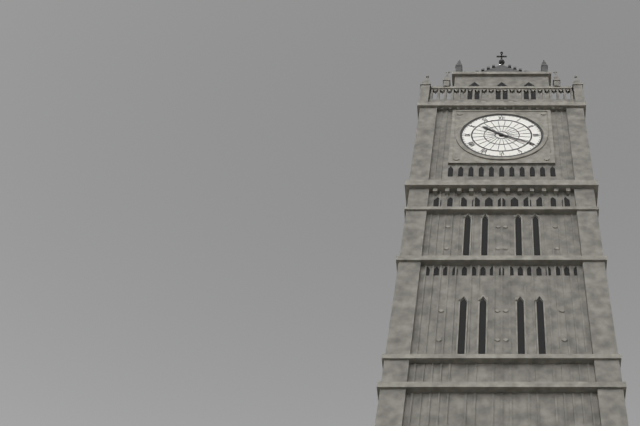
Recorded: h=10 m=20
